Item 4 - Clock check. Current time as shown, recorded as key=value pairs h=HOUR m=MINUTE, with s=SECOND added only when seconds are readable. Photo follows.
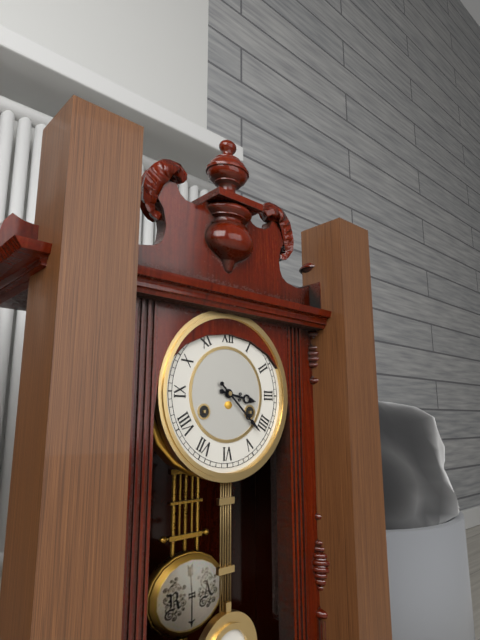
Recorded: h=3 m=22
